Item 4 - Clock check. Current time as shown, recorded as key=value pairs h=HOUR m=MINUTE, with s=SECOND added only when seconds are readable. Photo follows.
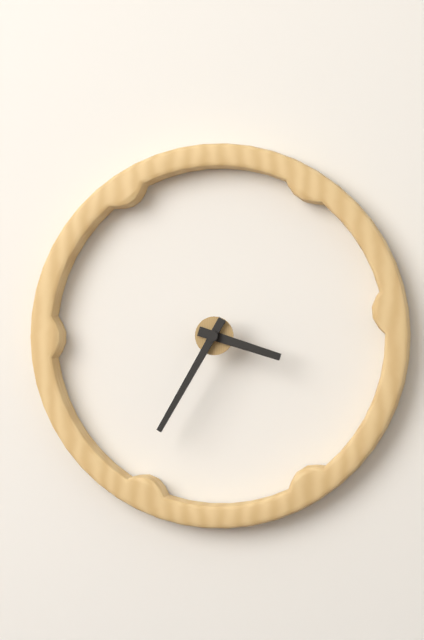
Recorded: h=3 m=35
